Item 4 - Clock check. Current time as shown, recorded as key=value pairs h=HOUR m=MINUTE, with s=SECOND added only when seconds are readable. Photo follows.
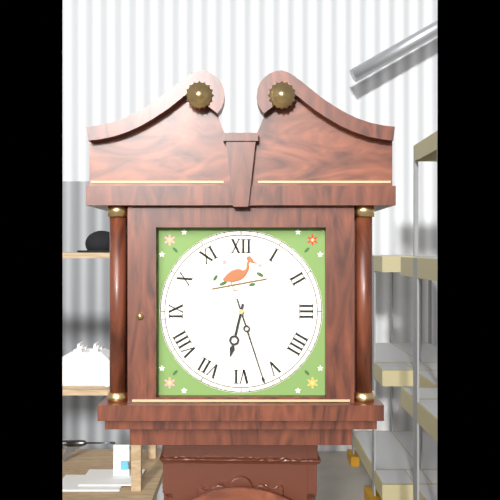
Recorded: h=6 m=27
